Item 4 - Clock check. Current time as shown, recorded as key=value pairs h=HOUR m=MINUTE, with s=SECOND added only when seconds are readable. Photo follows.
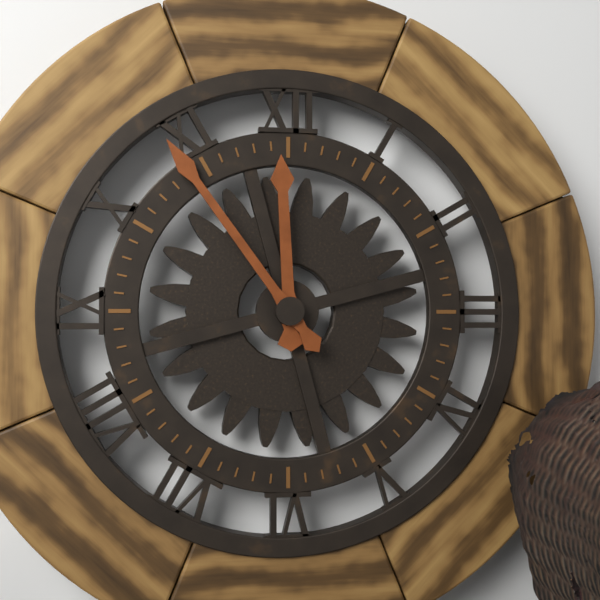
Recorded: h=11 m=54
